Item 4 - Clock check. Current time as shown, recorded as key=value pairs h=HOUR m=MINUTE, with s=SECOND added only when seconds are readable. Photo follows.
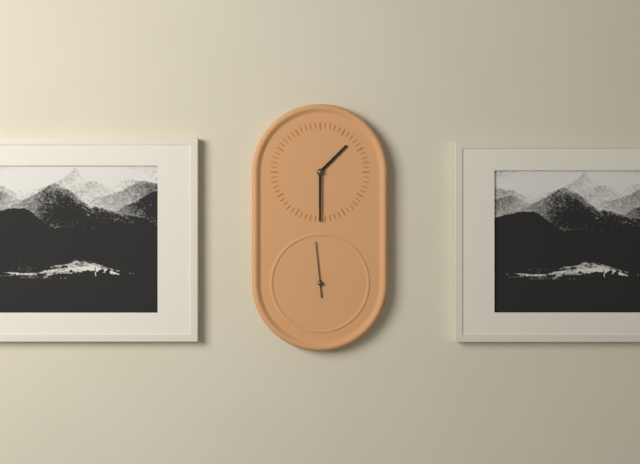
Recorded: h=1 m=30 s=59
